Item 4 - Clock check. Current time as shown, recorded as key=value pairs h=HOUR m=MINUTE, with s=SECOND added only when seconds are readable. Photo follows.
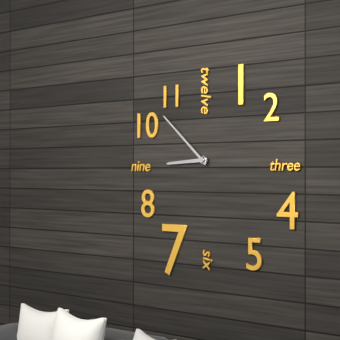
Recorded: h=8 m=52
